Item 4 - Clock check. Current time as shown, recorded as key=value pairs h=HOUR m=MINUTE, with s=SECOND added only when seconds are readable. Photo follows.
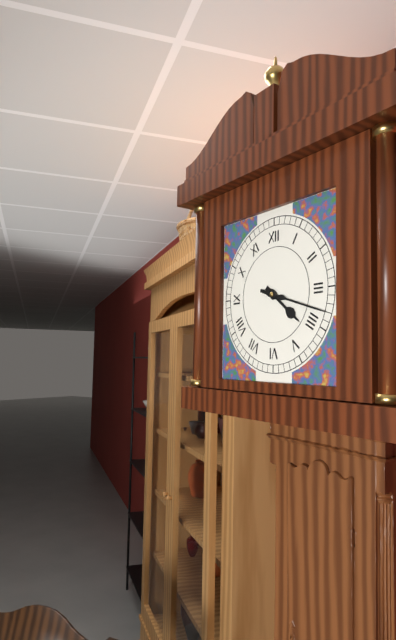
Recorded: h=4 m=18
